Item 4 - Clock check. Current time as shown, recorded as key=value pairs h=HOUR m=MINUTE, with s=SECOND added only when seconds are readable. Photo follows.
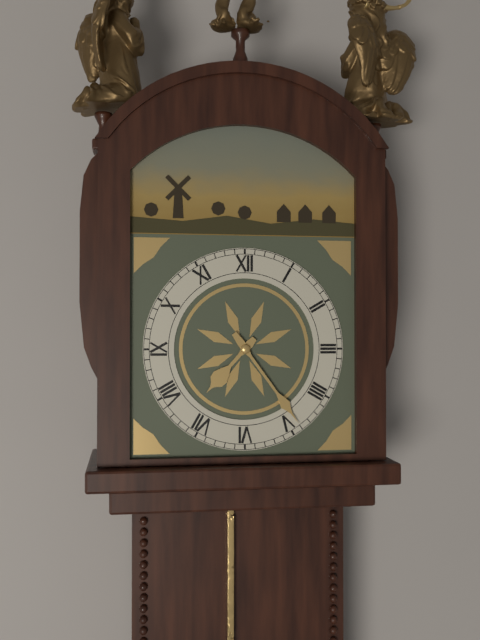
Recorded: h=7 m=24
